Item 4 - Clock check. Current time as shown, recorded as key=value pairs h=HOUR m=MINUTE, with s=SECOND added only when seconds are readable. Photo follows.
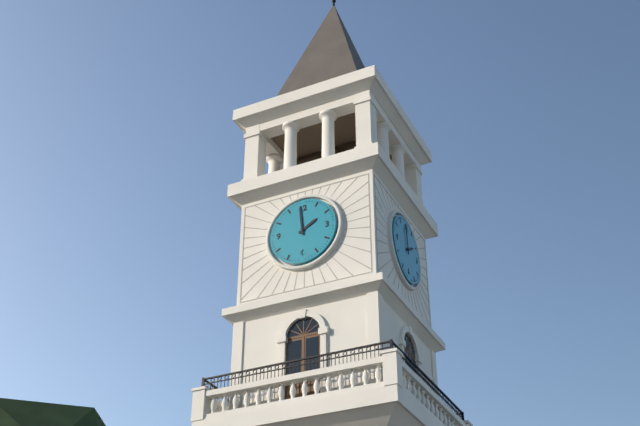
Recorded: h=1 m=59
